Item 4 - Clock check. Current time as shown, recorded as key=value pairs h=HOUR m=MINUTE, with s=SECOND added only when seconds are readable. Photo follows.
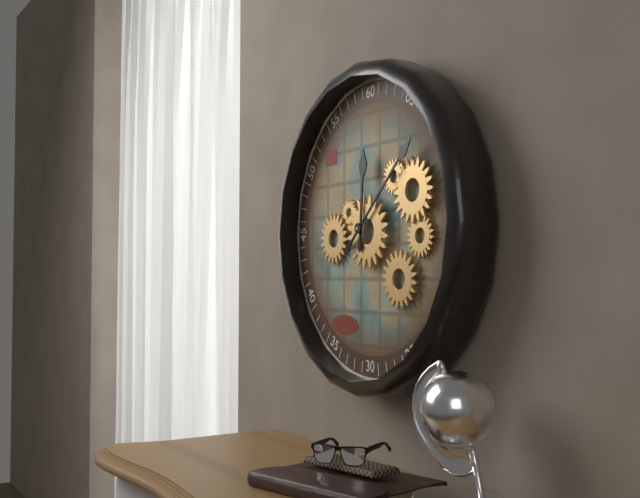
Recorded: h=12 m=8
